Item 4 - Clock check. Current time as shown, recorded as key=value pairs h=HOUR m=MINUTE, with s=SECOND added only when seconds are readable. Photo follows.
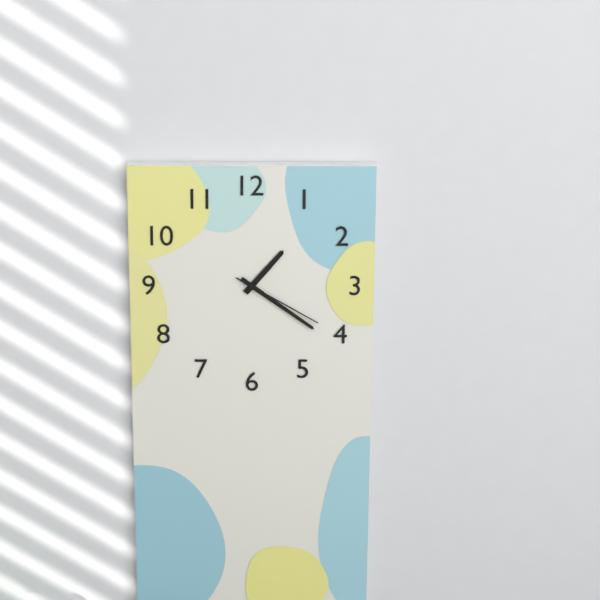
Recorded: h=1 m=21 s=20
